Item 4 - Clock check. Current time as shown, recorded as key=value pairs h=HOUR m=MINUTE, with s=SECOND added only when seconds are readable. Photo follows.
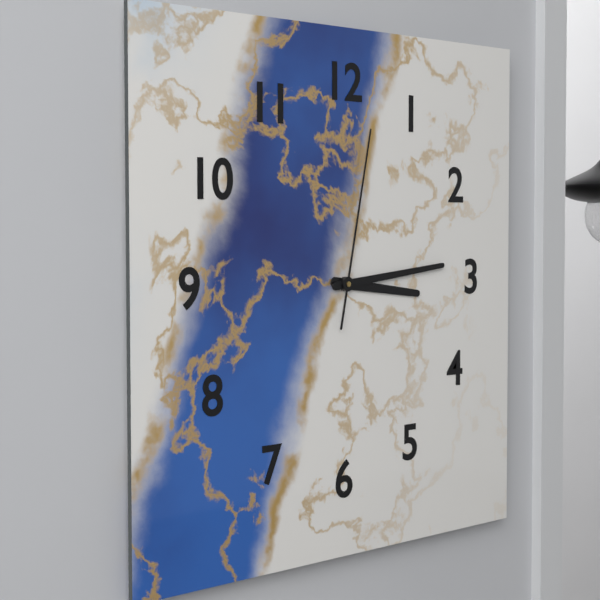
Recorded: h=3 m=14 s=2
